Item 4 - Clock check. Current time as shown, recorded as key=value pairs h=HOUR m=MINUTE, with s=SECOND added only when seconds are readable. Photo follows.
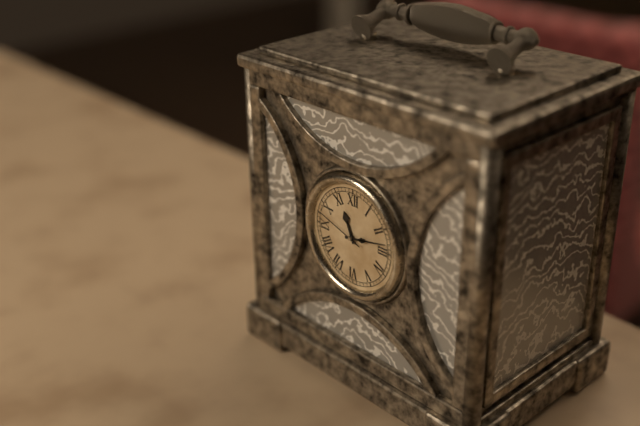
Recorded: h=11 m=13 s=48
